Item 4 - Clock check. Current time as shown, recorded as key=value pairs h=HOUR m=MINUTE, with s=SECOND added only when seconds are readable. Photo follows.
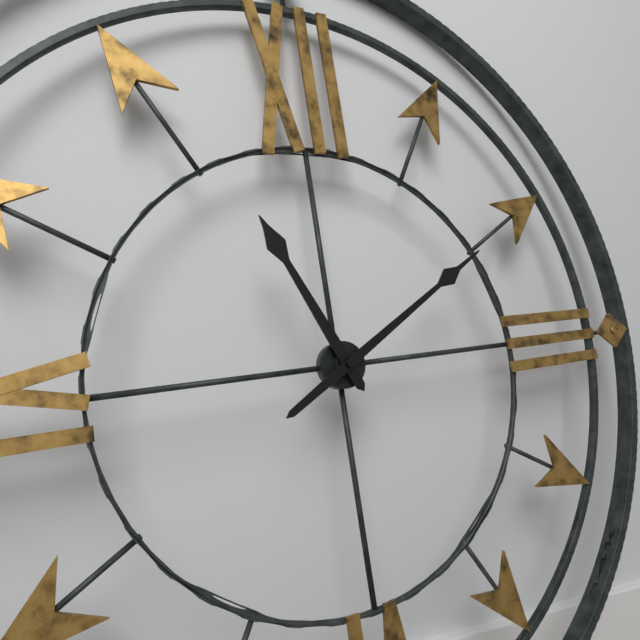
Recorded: h=11 m=10
